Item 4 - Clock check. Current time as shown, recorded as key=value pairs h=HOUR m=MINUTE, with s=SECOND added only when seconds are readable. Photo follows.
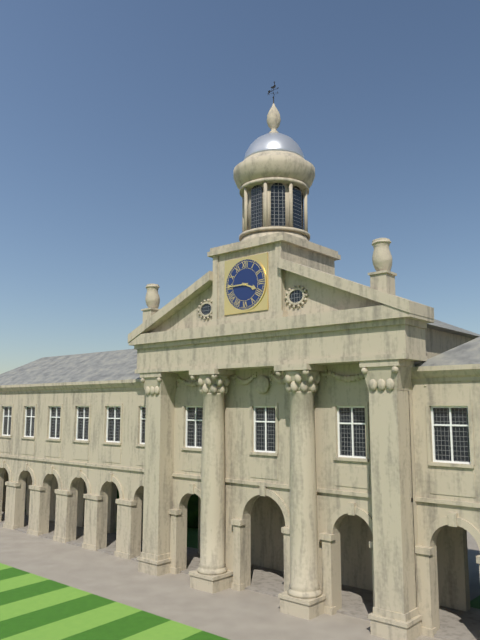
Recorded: h=3 m=45
